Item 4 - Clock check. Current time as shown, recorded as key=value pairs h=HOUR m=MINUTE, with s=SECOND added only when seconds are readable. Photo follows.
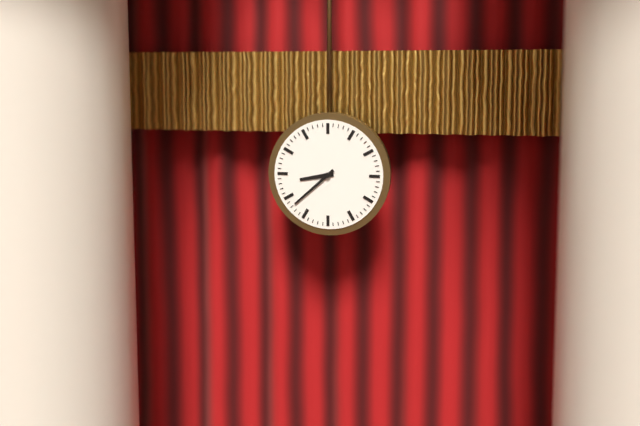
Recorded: h=8 m=38
